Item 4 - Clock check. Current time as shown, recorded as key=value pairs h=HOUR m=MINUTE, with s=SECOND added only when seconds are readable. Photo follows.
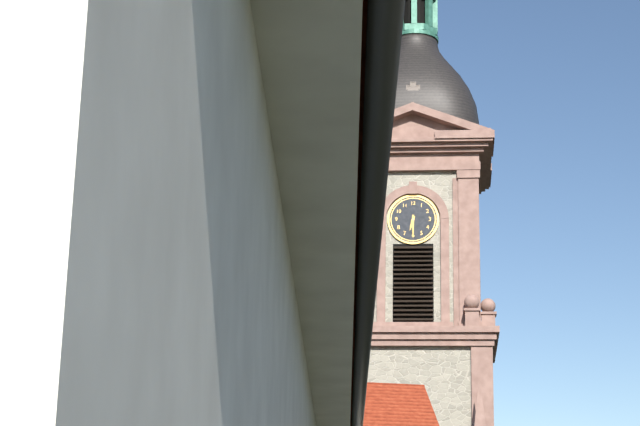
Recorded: h=6 m=30
